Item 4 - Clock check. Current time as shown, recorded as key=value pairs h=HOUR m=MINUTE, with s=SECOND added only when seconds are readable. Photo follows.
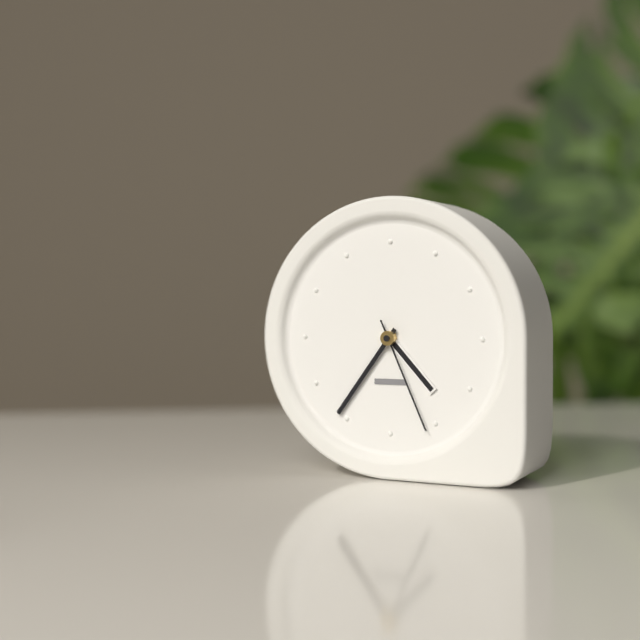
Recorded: h=4 m=36 s=26
